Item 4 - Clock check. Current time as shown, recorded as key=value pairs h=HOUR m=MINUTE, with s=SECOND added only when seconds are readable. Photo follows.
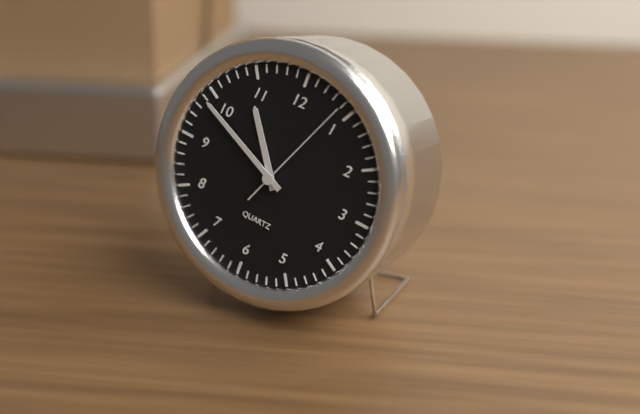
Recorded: h=10 m=49 s=4
